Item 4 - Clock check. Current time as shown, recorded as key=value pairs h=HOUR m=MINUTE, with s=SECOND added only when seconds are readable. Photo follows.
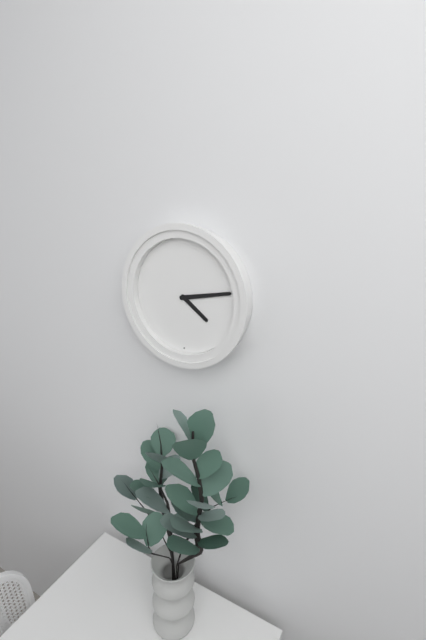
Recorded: h=4 m=13
